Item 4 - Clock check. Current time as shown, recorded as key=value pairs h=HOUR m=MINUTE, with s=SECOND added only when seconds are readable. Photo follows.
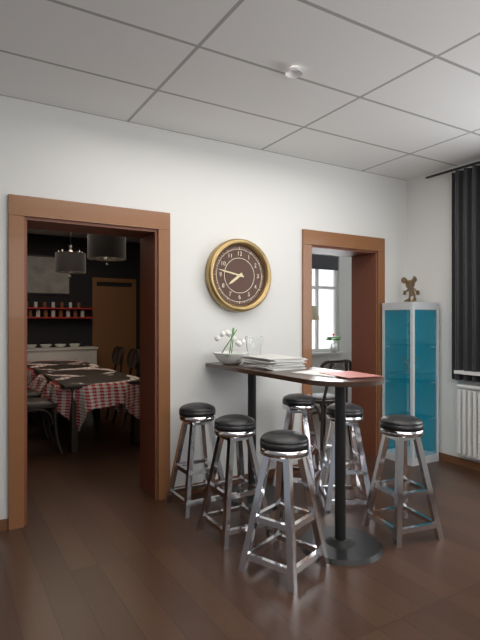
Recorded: h=7 m=47
